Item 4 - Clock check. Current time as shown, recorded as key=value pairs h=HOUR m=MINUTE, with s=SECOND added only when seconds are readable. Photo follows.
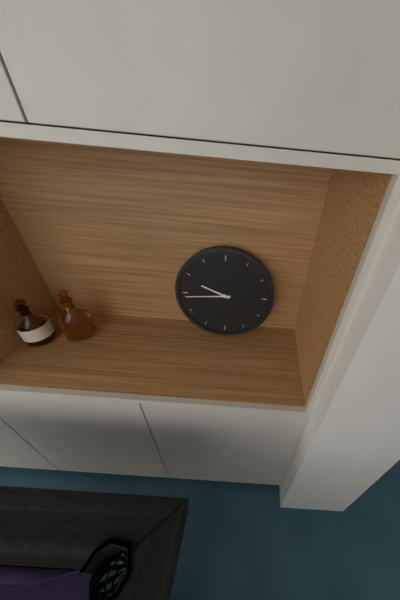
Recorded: h=9 m=44
